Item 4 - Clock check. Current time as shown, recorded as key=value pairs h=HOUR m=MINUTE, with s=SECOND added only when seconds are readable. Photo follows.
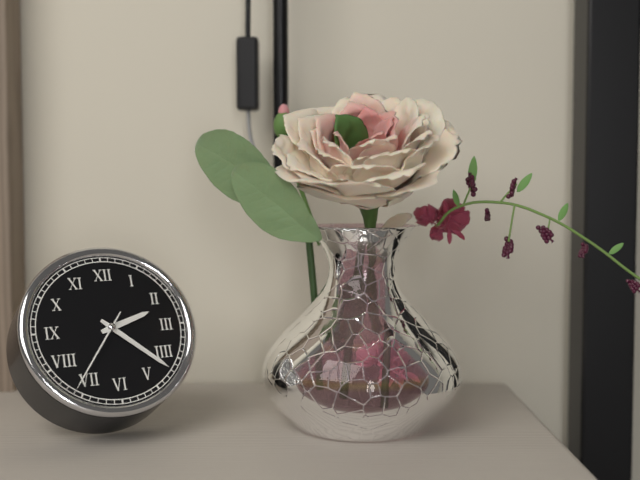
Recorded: h=2 m=22 s=36
